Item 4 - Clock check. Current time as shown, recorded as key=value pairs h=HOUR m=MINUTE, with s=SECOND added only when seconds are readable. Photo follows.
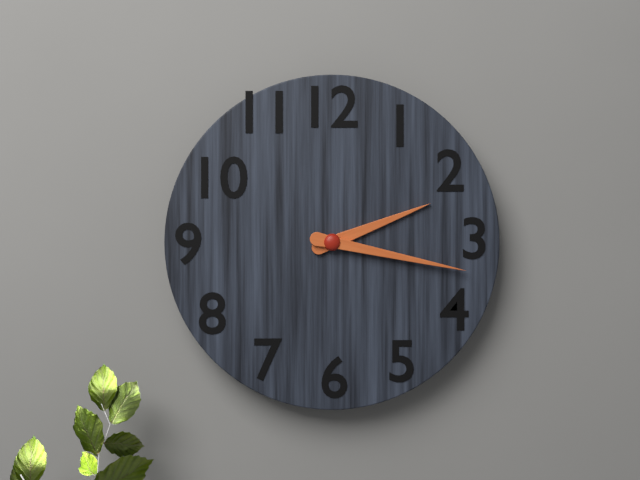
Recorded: h=2 m=17
